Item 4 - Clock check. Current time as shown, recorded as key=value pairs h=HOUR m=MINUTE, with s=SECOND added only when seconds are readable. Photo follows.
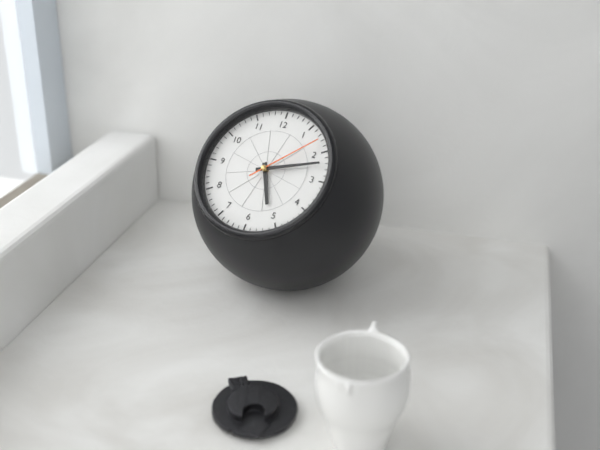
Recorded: h=5 m=12 s=8
